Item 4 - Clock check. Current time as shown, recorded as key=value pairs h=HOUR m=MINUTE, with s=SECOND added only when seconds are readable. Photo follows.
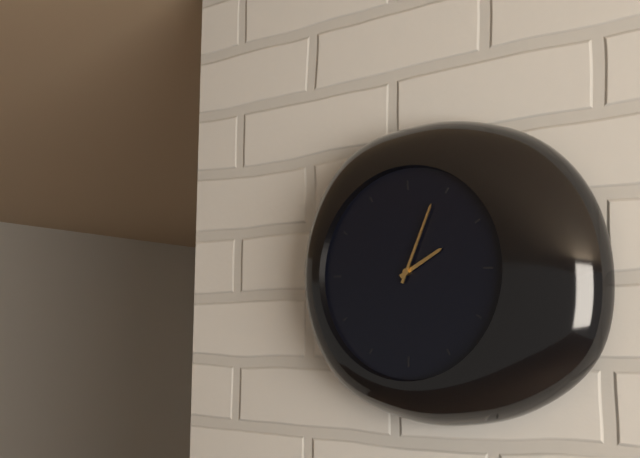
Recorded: h=2 m=4
